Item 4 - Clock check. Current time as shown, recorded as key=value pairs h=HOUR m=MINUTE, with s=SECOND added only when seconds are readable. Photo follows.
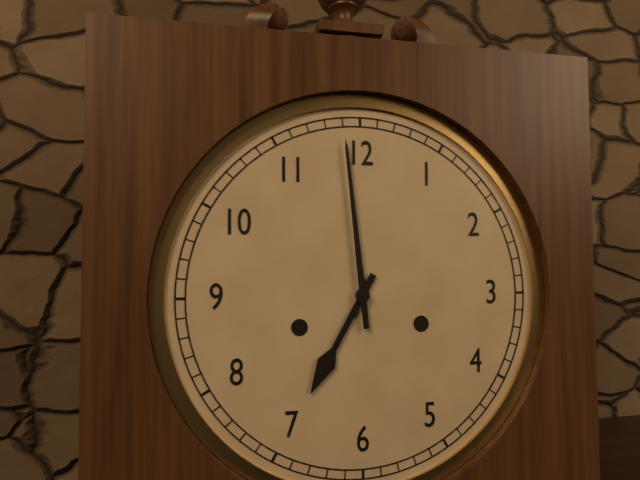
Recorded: h=6 m=59
